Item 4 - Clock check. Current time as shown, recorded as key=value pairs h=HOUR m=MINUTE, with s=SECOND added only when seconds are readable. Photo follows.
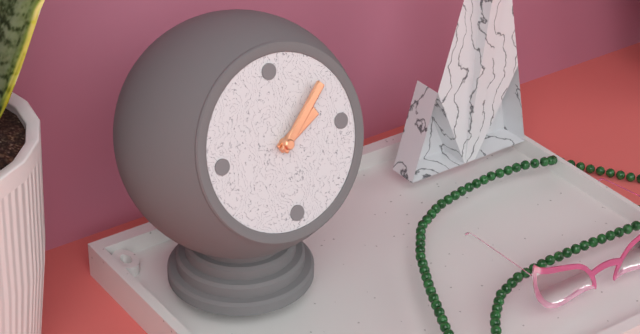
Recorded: h=2 m=8
